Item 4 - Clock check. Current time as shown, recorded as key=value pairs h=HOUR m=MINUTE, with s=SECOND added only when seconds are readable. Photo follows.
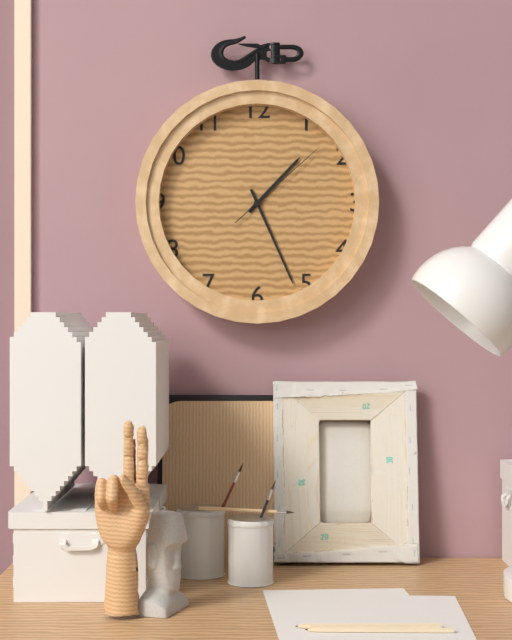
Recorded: h=1 m=26 s=8
